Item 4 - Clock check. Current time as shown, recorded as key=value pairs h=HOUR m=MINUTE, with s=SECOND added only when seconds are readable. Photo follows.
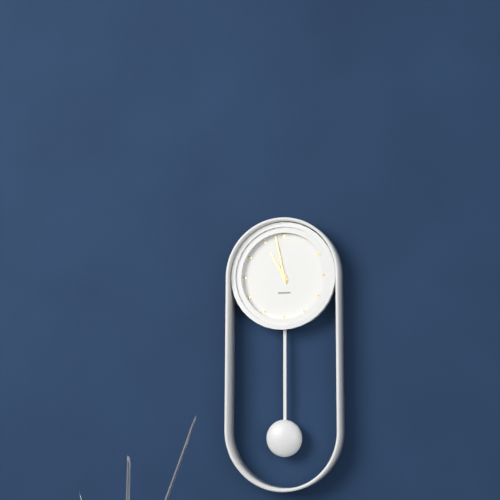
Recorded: h=10 m=58
